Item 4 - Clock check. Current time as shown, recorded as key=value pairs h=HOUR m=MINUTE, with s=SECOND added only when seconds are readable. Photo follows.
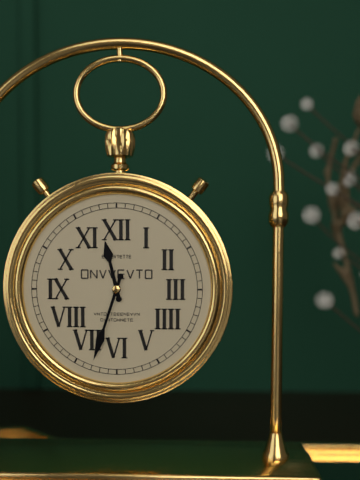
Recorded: h=11 m=33
